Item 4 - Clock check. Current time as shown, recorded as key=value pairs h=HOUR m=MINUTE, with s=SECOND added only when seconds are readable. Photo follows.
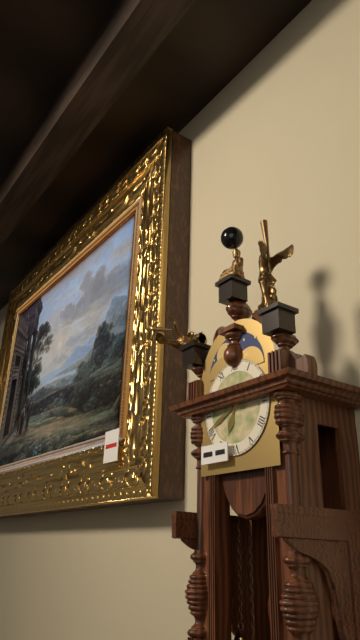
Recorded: h=6 m=41
